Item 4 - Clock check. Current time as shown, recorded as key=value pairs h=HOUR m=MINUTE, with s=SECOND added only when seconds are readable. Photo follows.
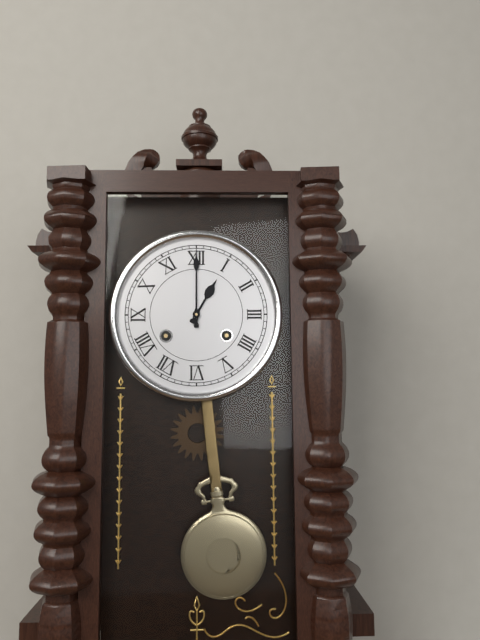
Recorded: h=1 m=0
